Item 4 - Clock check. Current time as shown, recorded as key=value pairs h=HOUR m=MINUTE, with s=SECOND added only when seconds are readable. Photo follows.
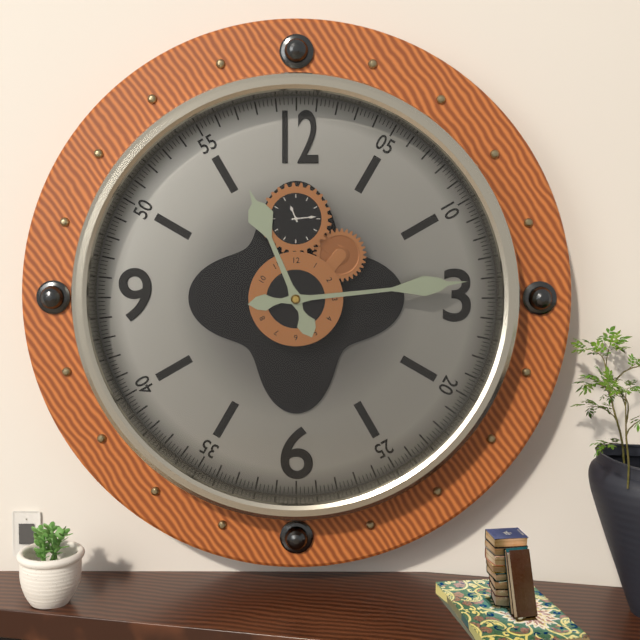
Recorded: h=11 m=14
